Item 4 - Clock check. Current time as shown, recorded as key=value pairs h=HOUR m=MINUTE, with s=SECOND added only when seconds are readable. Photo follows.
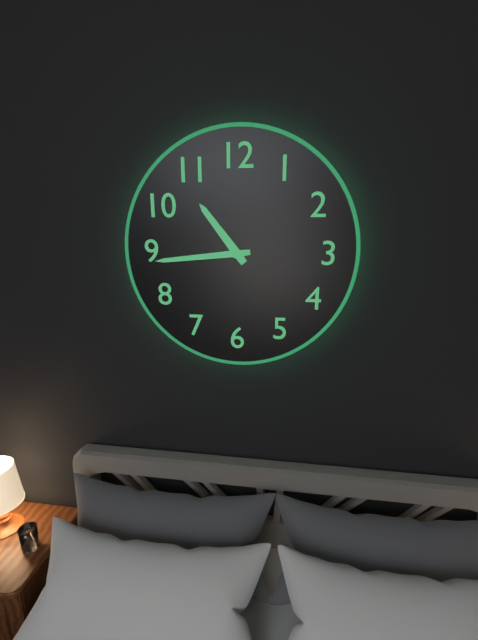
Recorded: h=10 m=44
